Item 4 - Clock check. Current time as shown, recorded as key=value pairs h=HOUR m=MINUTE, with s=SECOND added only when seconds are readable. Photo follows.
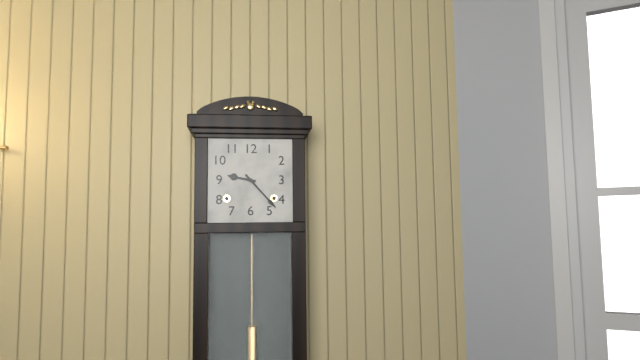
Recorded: h=9 m=23
